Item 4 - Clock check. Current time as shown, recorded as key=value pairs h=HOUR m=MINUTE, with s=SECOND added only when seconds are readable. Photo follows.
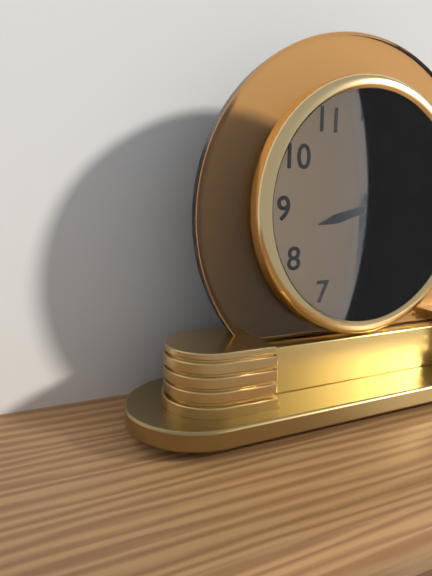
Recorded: h=8 m=30
